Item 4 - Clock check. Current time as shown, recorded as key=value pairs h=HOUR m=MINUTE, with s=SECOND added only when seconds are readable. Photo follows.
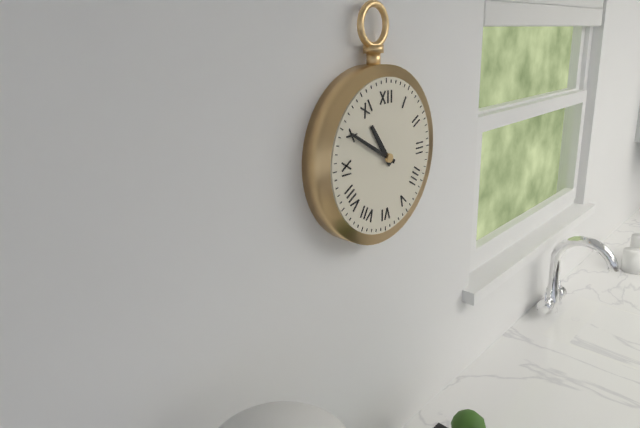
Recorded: h=10 m=50
